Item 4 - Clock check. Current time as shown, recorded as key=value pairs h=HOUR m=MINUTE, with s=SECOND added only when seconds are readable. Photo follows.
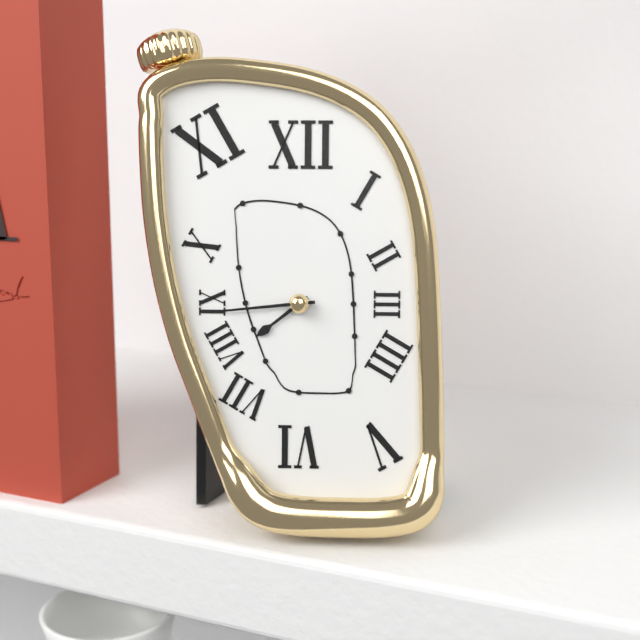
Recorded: h=7 m=44
